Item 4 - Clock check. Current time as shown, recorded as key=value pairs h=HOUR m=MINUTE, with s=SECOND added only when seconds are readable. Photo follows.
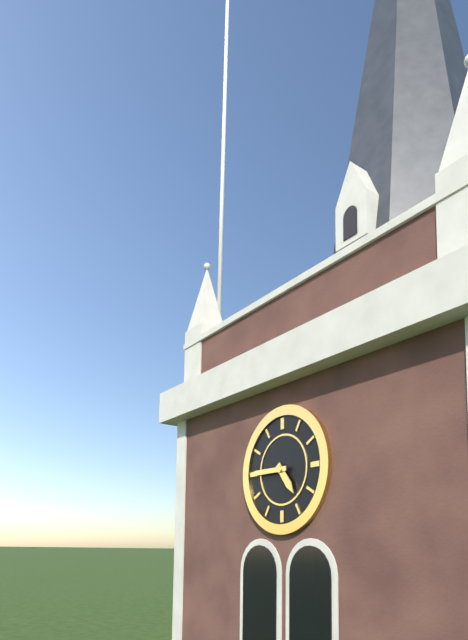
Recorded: h=4 m=45
